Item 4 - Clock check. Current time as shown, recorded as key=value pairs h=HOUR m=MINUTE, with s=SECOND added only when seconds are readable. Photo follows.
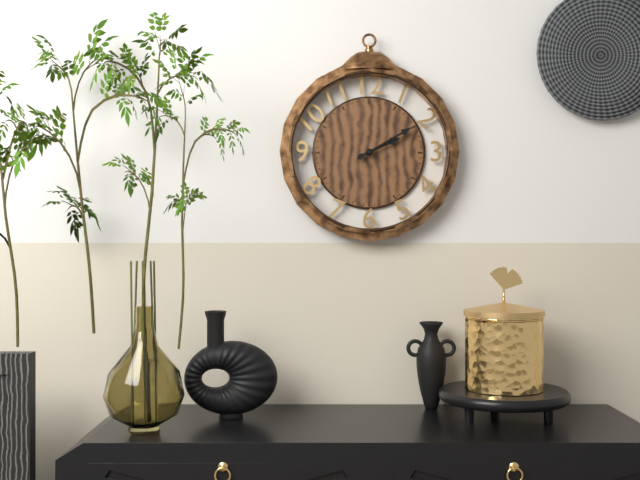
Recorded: h=2 m=10
